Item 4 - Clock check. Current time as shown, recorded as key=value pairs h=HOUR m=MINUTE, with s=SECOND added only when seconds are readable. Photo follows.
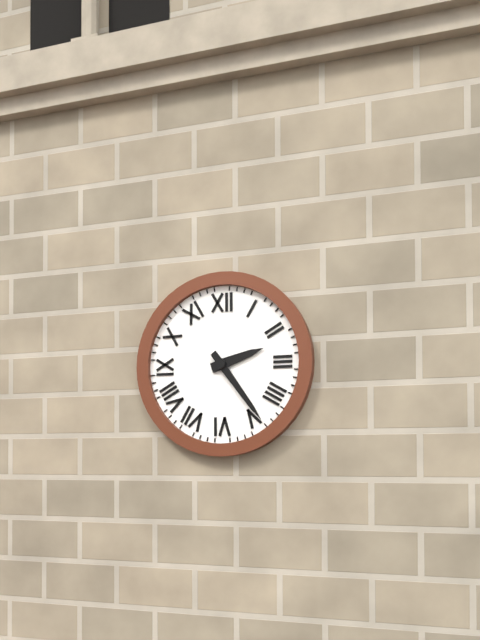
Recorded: h=2 m=24
